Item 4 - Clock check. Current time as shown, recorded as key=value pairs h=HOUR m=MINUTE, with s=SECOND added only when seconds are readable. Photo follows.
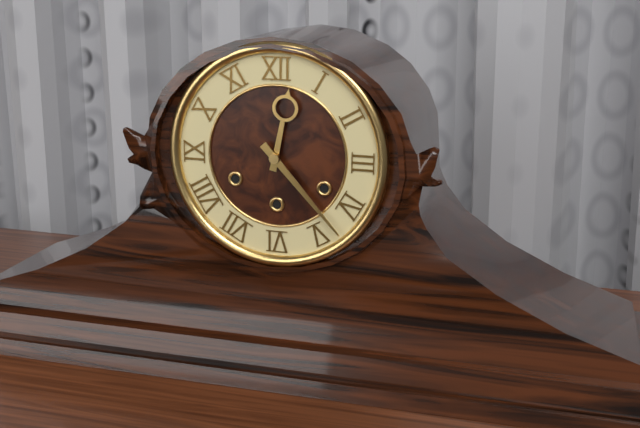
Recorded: h=12 m=23
